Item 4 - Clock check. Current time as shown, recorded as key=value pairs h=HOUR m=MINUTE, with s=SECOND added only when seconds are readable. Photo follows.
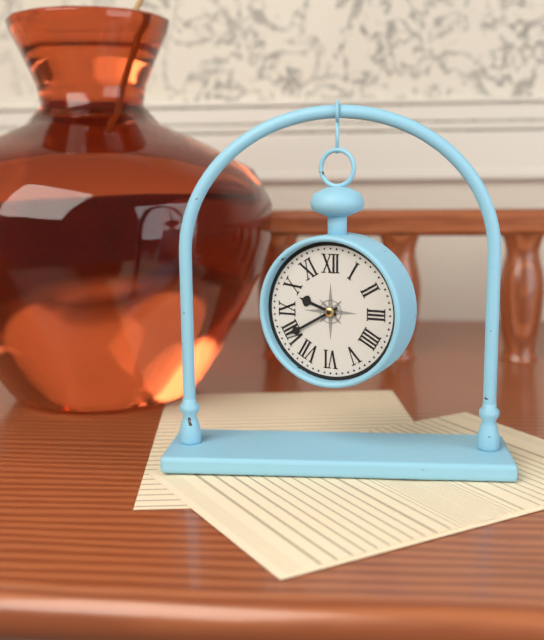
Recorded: h=9 m=40
